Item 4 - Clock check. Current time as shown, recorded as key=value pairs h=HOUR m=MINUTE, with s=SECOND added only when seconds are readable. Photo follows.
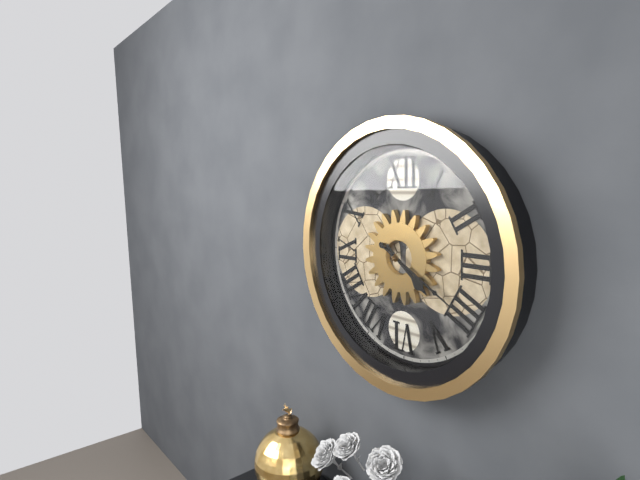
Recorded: h=4 m=20
